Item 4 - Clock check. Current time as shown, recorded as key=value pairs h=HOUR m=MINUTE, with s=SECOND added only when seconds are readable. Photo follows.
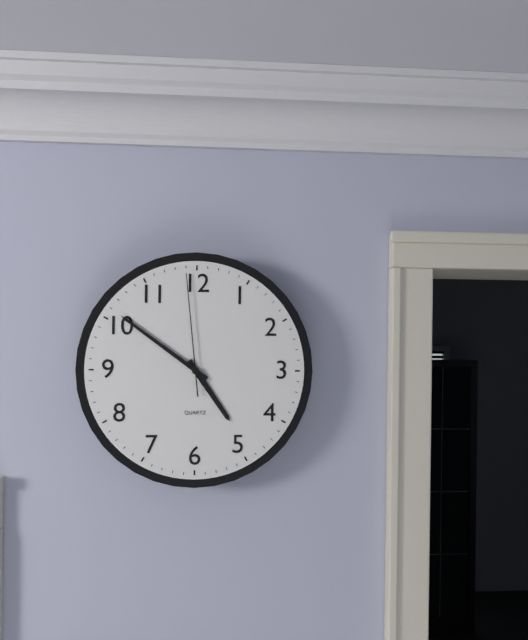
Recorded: h=4 m=51 s=59
